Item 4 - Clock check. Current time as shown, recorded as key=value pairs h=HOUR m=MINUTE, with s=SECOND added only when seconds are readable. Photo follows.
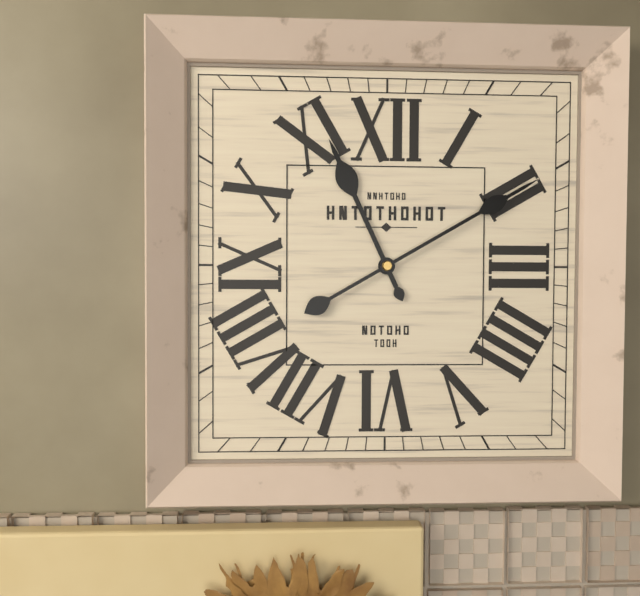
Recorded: h=11 m=10
